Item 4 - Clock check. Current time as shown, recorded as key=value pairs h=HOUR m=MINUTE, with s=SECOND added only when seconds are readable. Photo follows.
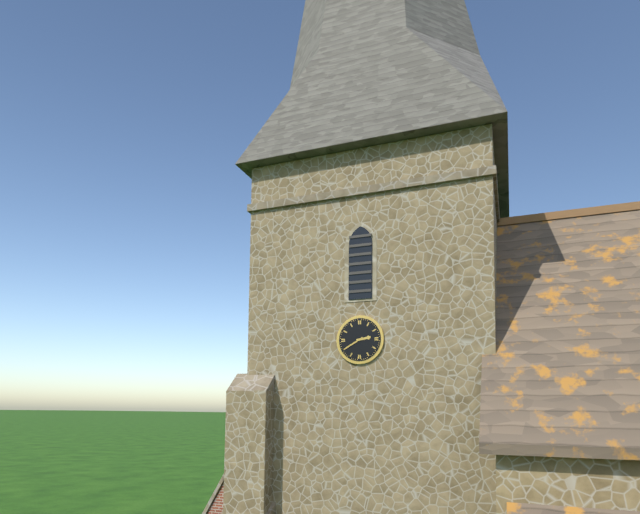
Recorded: h=2 m=40
